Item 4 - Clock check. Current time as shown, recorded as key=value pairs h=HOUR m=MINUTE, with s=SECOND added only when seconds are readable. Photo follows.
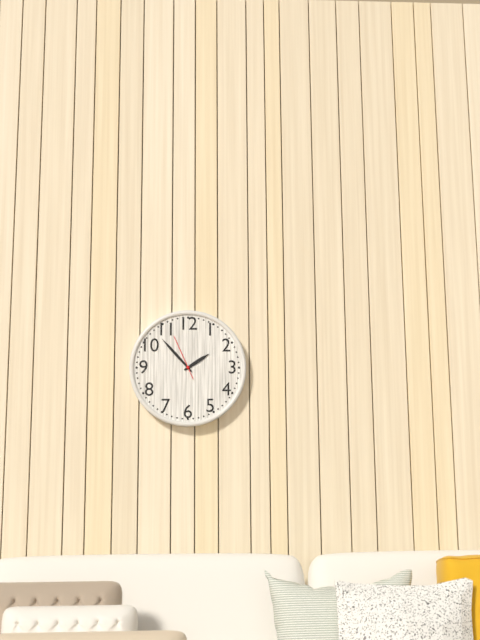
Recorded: h=1 m=53
